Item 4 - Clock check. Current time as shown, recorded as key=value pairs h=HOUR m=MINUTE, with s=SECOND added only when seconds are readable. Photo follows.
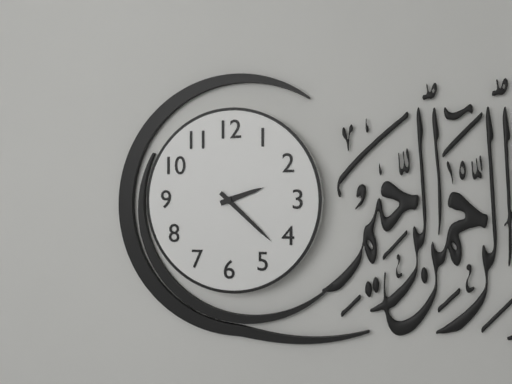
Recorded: h=2 m=22
